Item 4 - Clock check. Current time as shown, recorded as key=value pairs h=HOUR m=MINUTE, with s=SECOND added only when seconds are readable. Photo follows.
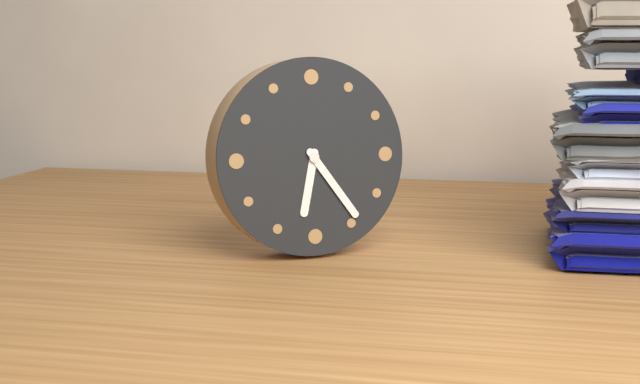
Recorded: h=6 m=24
